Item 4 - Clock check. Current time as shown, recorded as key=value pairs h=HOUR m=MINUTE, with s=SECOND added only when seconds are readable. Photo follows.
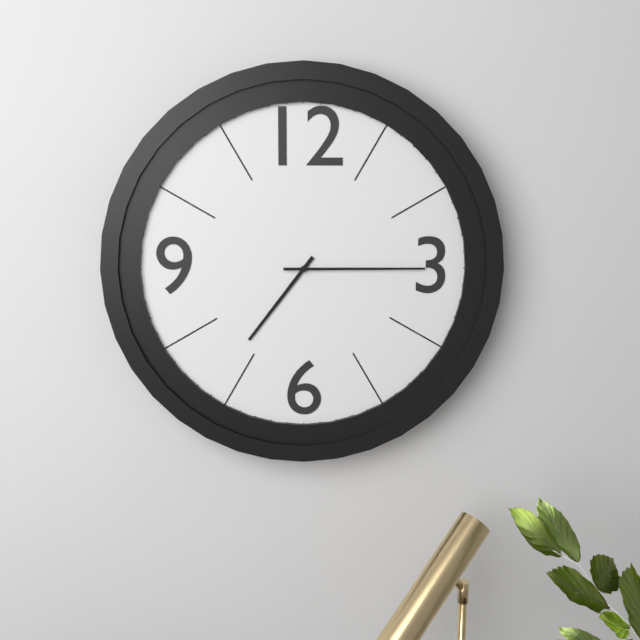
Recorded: h=7 m=15
